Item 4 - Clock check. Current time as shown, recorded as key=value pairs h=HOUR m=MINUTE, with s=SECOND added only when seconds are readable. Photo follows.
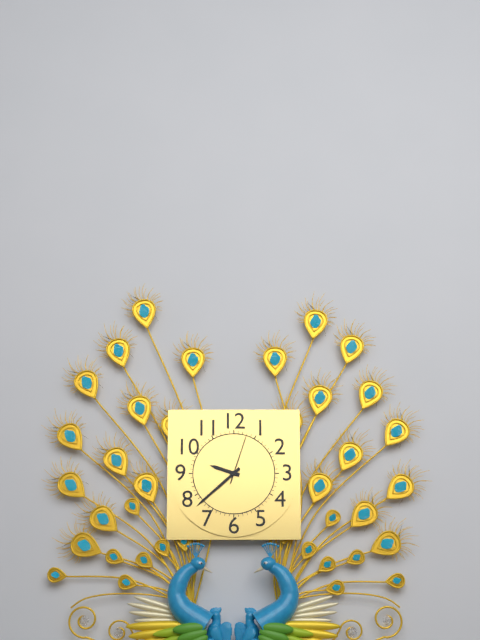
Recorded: h=9 m=38 s=3
